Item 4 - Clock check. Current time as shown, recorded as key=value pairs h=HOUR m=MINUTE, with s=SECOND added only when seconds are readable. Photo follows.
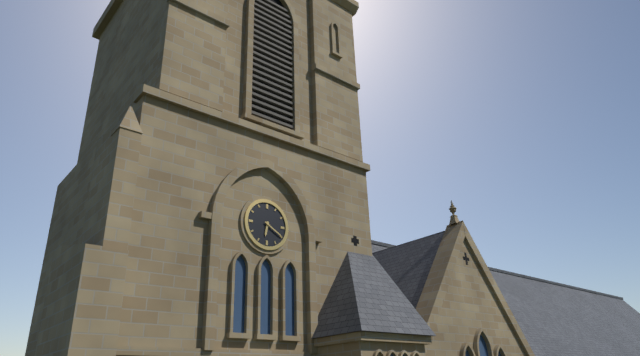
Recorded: h=6 m=20
